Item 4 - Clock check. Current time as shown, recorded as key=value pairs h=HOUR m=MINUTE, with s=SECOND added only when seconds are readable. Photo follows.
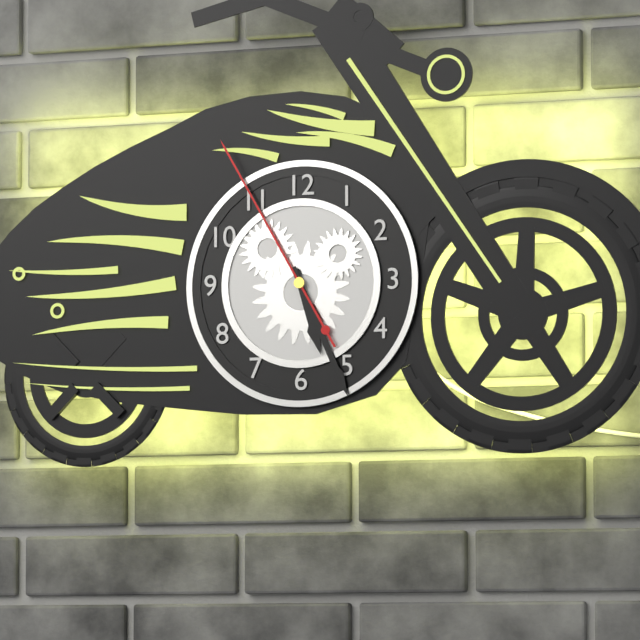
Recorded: h=5 m=26 s=55
